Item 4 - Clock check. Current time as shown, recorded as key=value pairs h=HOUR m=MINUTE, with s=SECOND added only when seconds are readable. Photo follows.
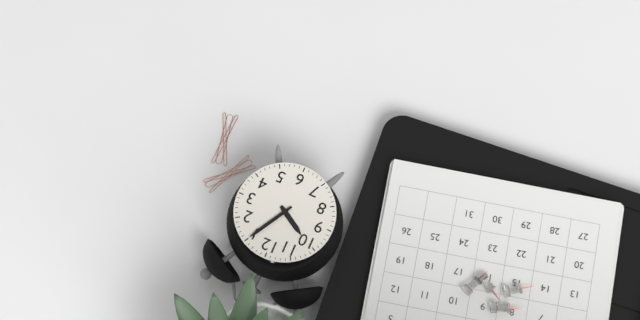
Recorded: h=10 m=5
